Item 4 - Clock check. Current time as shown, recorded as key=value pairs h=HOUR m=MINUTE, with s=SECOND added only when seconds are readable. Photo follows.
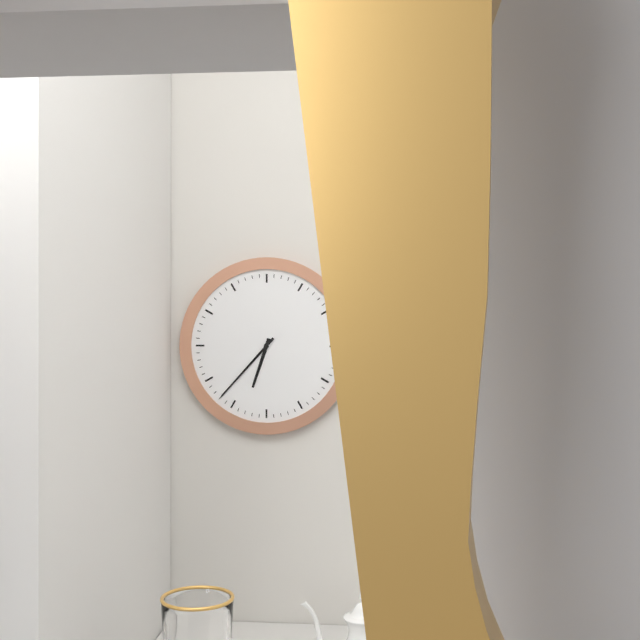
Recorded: h=6 m=37
